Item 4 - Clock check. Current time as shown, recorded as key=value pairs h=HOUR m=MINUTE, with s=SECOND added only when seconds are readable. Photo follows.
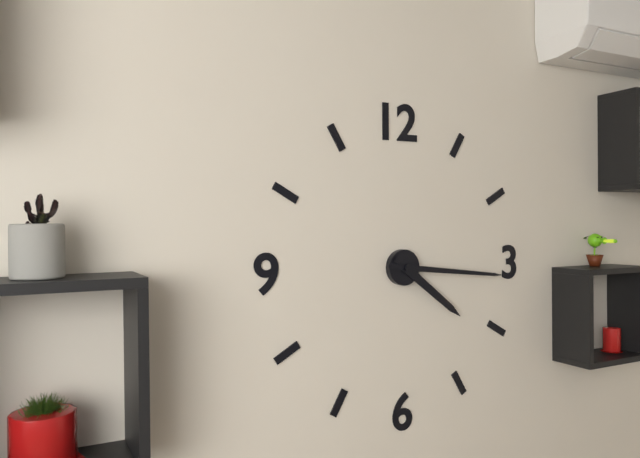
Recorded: h=4 m=16
